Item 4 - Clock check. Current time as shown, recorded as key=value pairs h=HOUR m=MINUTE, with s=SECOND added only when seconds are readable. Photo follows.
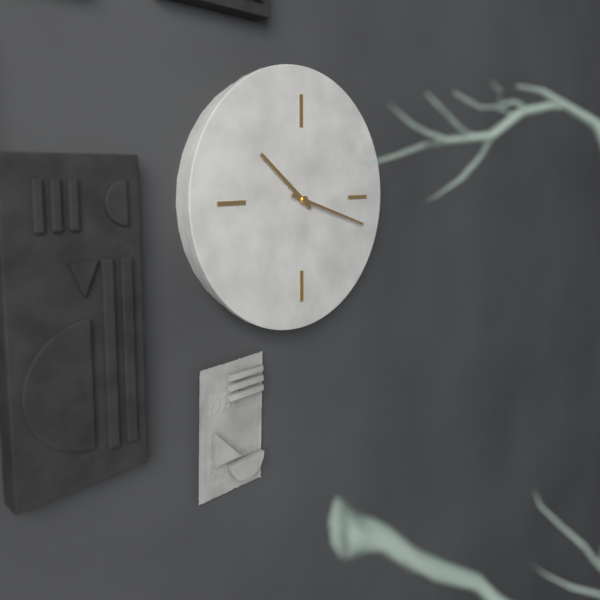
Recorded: h=10 m=18
